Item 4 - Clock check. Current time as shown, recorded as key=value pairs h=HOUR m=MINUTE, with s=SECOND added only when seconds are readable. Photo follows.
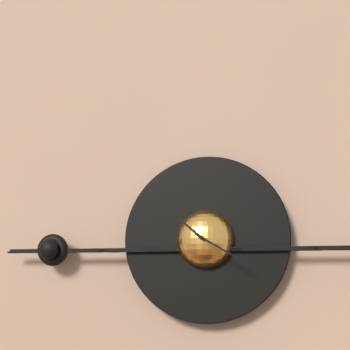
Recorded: h=10 m=20
